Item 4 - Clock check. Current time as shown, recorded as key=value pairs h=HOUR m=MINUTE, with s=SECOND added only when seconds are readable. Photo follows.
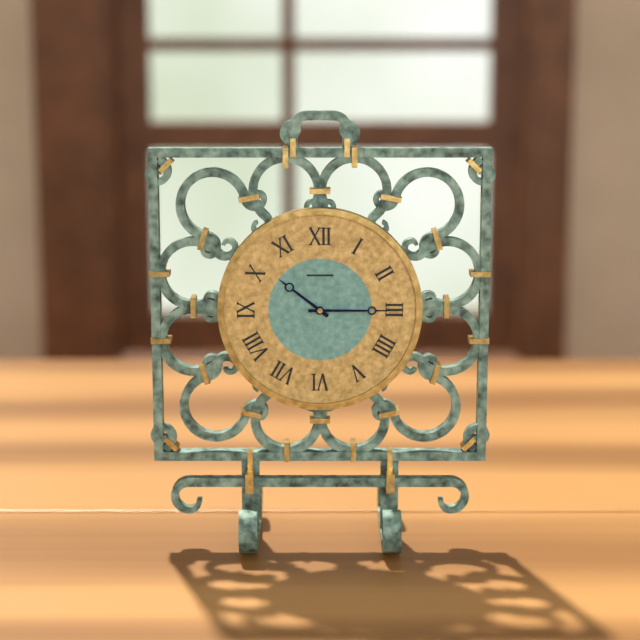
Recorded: h=10 m=15
